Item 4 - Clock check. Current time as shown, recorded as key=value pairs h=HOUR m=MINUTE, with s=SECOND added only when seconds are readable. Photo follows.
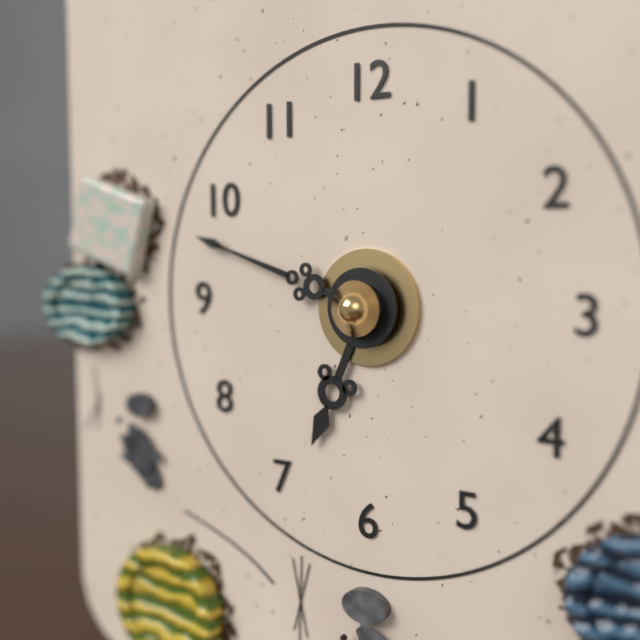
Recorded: h=6 m=48
